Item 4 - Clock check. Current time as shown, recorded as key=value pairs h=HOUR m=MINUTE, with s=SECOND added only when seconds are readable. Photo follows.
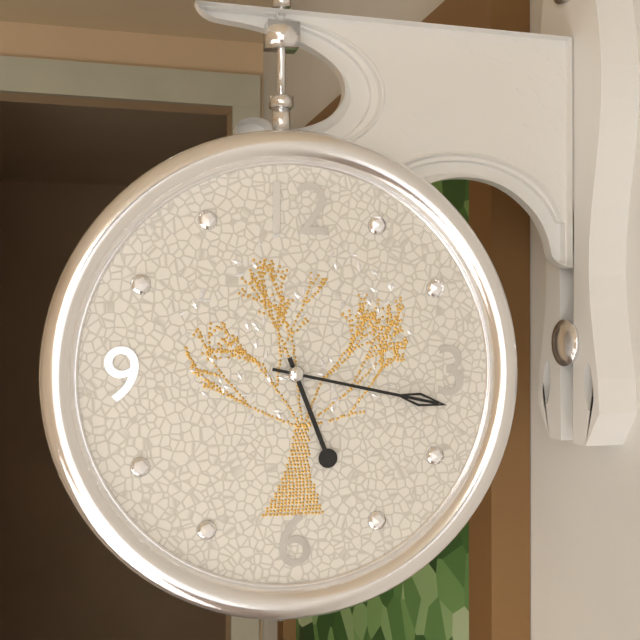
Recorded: h=5 m=17
